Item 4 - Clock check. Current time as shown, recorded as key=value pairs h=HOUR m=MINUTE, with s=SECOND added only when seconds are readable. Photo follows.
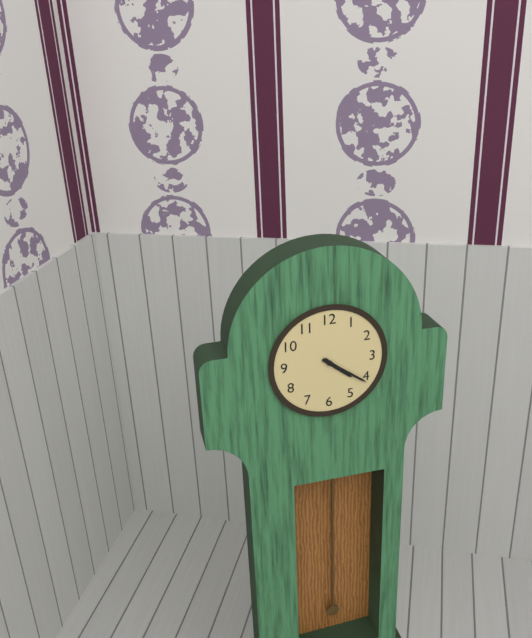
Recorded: h=4 m=21
